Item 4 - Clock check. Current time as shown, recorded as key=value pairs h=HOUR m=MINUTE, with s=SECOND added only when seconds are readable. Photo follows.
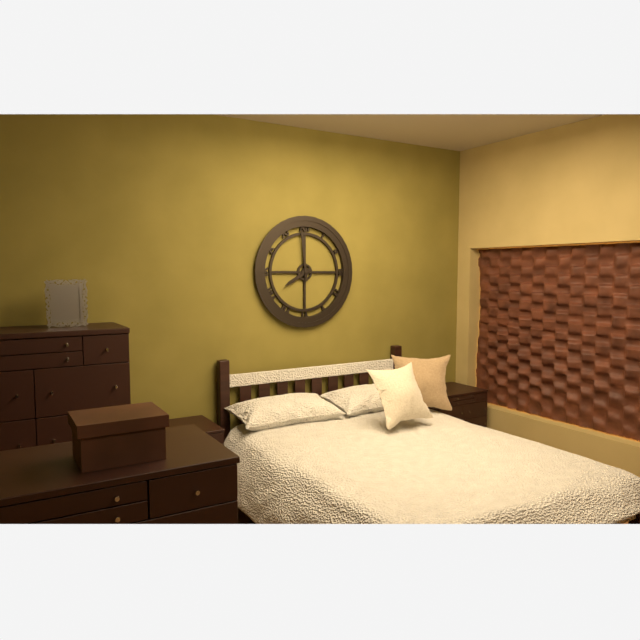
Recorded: h=7 m=59
